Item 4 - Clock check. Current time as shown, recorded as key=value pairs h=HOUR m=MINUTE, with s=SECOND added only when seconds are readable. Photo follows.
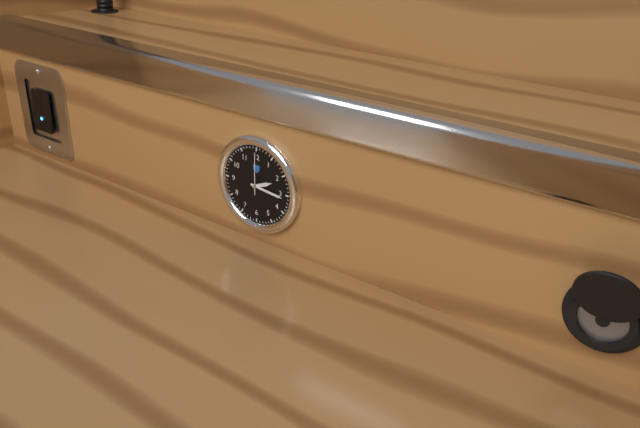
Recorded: h=2 m=16
